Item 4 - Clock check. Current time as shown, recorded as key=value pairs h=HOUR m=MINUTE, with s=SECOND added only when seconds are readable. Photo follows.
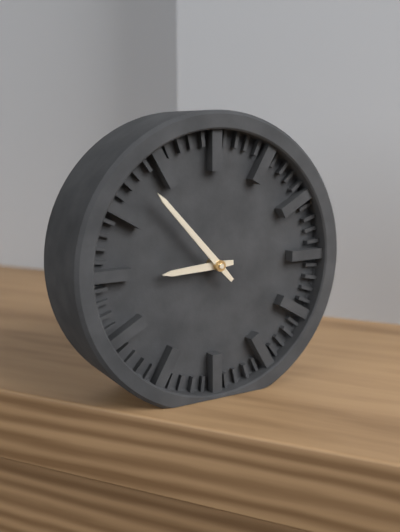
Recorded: h=8 m=53
